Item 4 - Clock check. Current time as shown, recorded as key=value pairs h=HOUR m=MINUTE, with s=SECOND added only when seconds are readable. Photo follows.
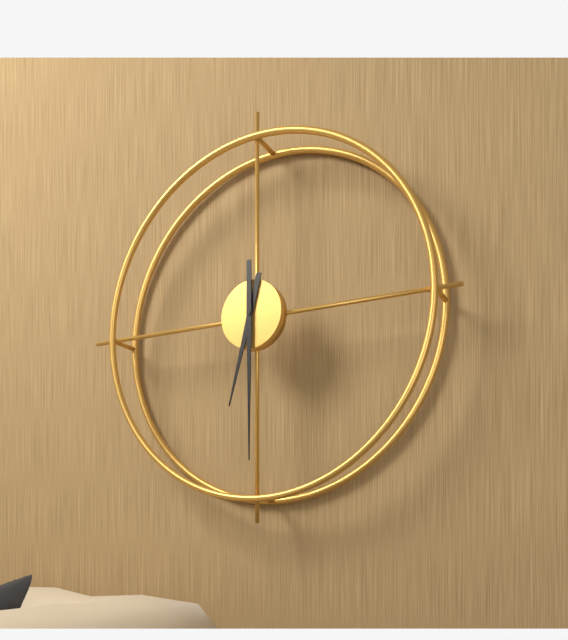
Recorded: h=6 m=30
